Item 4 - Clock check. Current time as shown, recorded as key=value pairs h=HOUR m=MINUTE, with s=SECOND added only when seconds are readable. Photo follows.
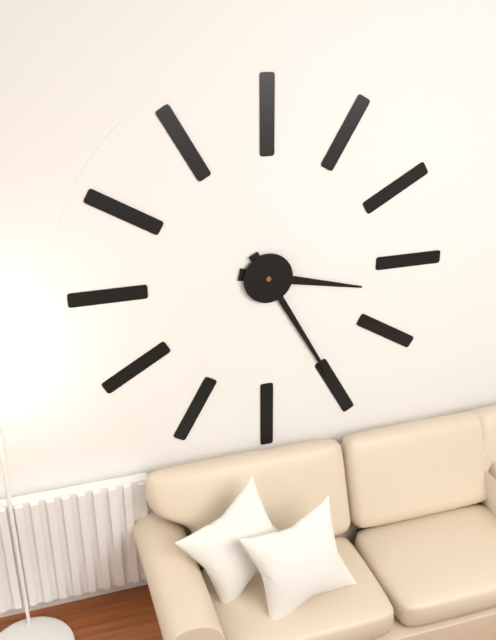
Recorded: h=3 m=25
